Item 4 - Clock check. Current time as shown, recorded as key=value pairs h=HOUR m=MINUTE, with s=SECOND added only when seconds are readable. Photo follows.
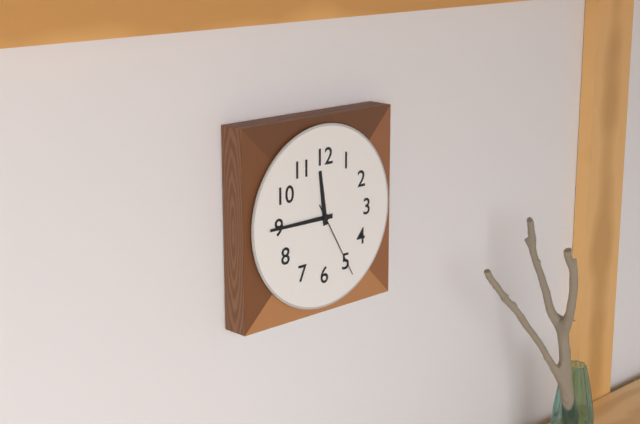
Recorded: h=11 m=45 s=25
